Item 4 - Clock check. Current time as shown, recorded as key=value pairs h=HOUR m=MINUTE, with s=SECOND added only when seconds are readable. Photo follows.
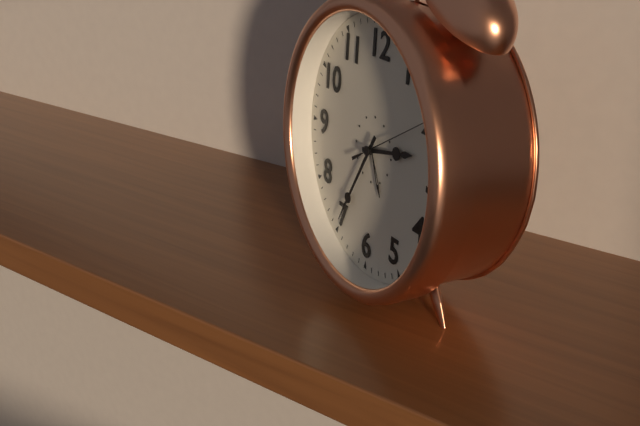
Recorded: h=2 m=35 s=10
